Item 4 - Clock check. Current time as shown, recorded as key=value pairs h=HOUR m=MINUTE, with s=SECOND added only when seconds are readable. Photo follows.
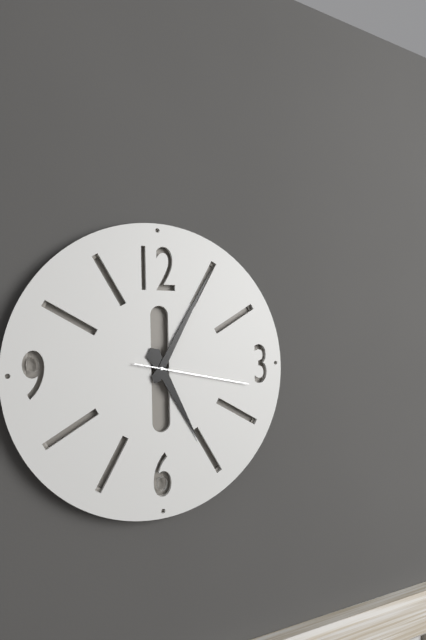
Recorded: h=5 m=5 s=17
